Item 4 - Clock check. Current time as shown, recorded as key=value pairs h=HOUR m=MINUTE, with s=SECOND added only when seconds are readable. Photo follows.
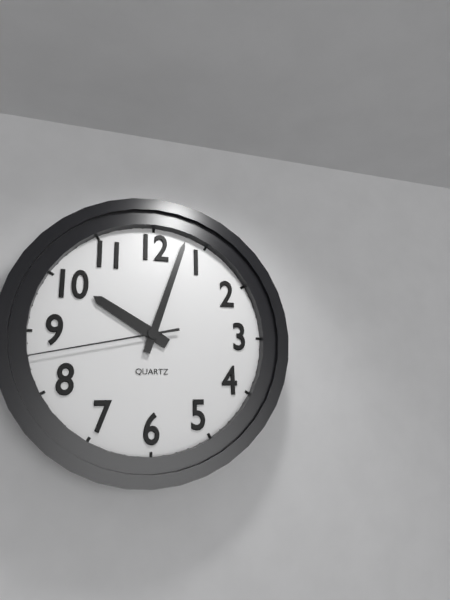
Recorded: h=10 m=3 s=43
